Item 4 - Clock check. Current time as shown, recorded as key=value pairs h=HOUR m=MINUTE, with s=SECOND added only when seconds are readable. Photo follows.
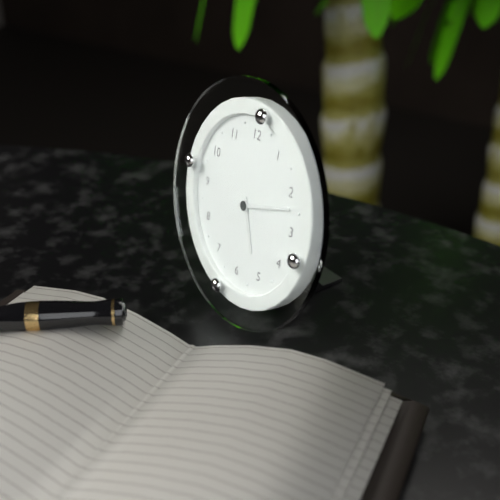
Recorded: h=5 m=12
